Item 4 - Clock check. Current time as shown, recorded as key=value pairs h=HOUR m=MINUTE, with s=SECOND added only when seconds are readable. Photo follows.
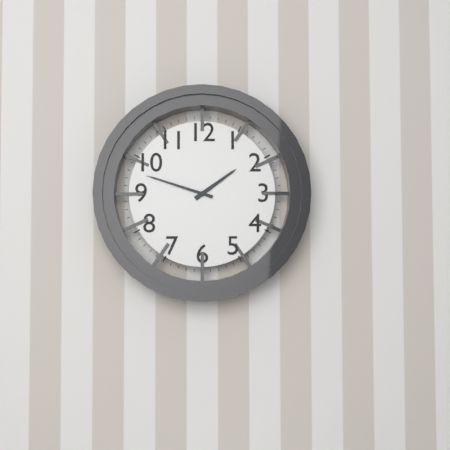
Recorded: h=1 m=48
